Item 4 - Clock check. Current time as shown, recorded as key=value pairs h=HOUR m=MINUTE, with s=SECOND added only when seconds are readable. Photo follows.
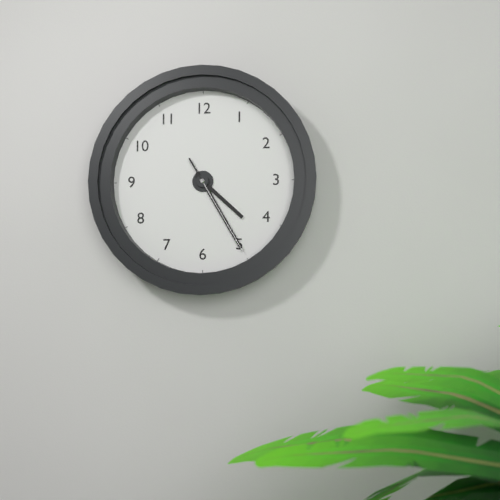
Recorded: h=4 m=25 s=25
